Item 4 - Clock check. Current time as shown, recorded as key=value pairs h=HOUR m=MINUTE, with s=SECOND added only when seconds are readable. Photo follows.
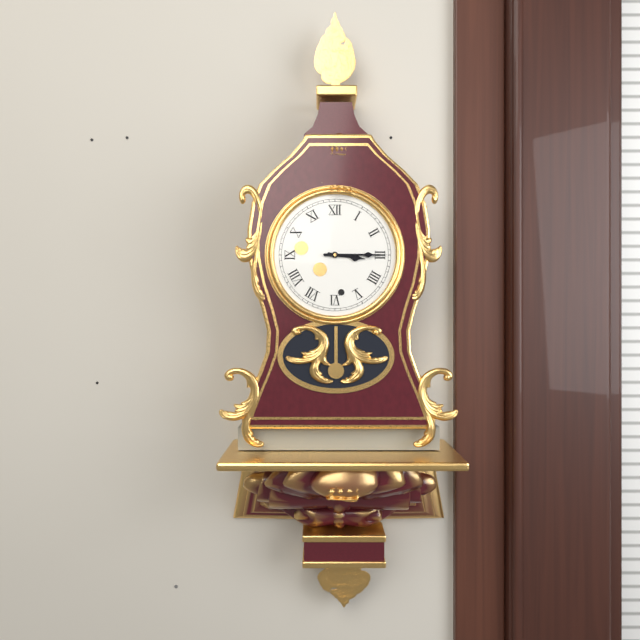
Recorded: h=3 m=15
